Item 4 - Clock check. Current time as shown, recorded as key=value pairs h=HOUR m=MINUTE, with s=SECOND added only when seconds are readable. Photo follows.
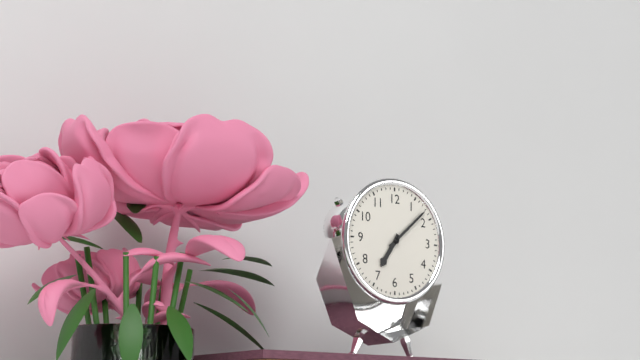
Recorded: h=7 m=8
